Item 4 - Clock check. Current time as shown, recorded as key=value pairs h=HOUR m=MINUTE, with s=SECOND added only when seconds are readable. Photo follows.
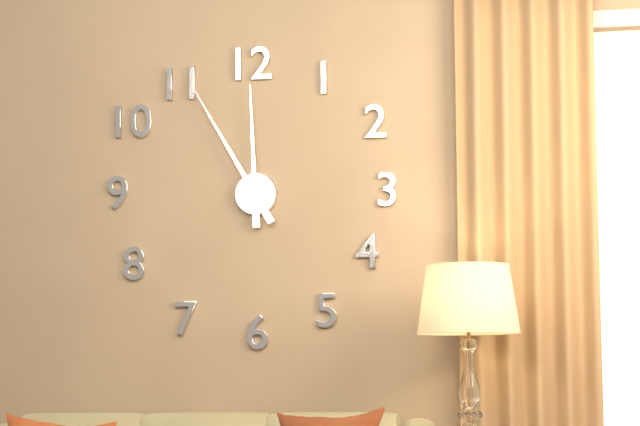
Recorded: h=11 m=55
